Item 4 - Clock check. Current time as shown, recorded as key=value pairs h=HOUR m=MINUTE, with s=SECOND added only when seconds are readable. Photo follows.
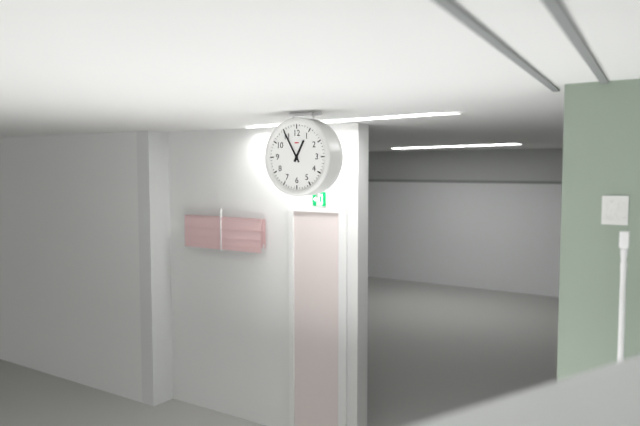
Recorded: h=12 m=55
